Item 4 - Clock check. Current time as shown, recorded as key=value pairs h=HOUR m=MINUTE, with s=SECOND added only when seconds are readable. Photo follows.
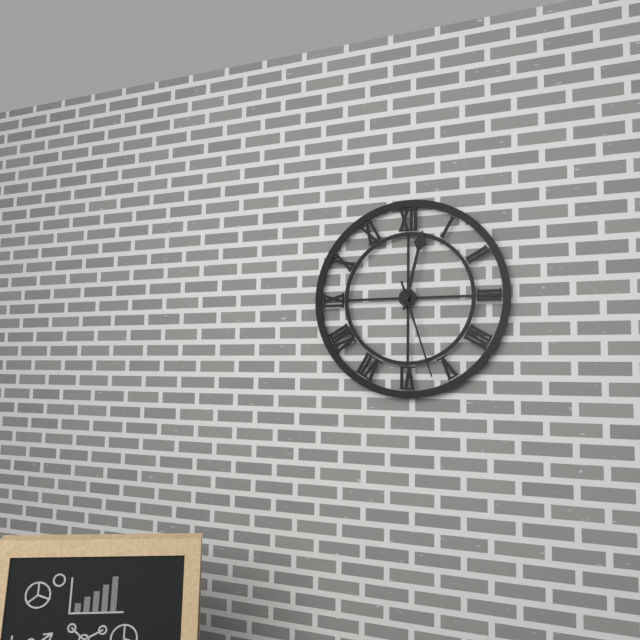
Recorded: h=12 m=27
